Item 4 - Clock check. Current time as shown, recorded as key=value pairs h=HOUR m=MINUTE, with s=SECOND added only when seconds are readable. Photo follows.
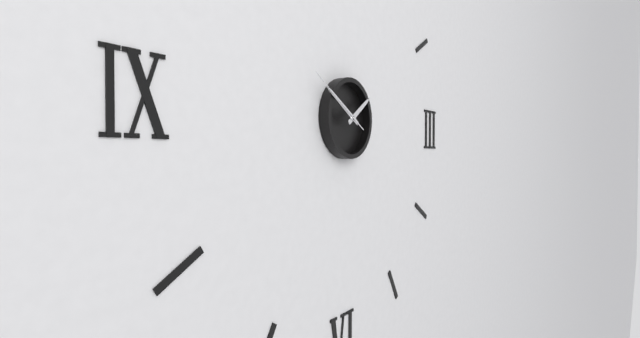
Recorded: h=1 m=50 s=50
